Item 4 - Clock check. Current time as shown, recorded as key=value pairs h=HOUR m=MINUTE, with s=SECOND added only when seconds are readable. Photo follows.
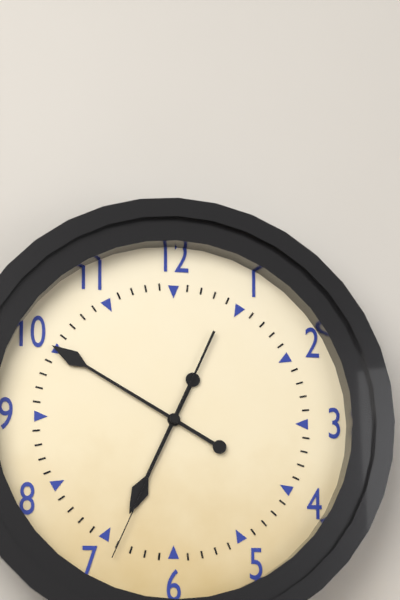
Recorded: h=6 m=50 s=34
